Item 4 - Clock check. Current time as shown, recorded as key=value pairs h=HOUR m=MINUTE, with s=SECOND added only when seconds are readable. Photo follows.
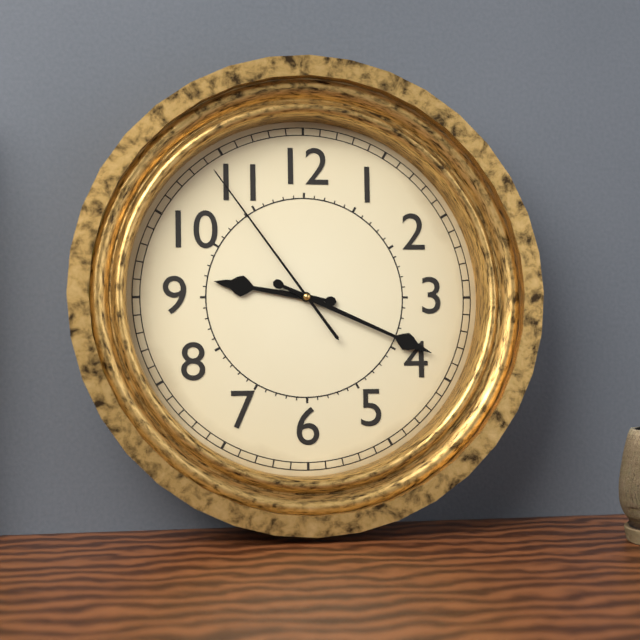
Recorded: h=9 m=19 s=54
